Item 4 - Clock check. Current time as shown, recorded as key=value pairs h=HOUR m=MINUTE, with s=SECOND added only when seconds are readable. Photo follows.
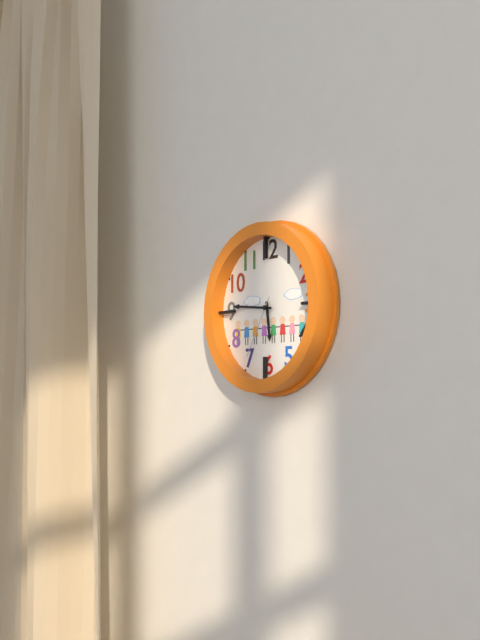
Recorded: h=5 m=46 s=35
